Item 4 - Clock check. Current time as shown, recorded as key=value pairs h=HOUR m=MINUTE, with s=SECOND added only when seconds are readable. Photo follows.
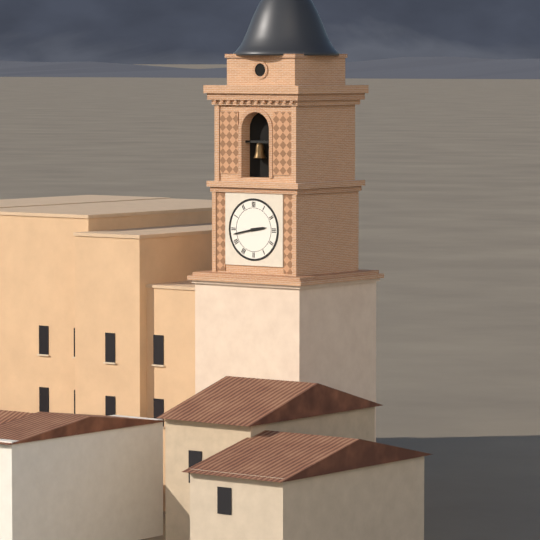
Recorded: h=2 m=43
